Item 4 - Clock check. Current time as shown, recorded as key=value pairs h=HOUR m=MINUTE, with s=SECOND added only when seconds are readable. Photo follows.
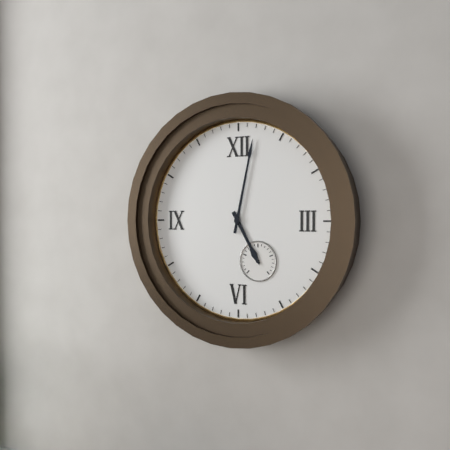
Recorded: h=5 m=2
